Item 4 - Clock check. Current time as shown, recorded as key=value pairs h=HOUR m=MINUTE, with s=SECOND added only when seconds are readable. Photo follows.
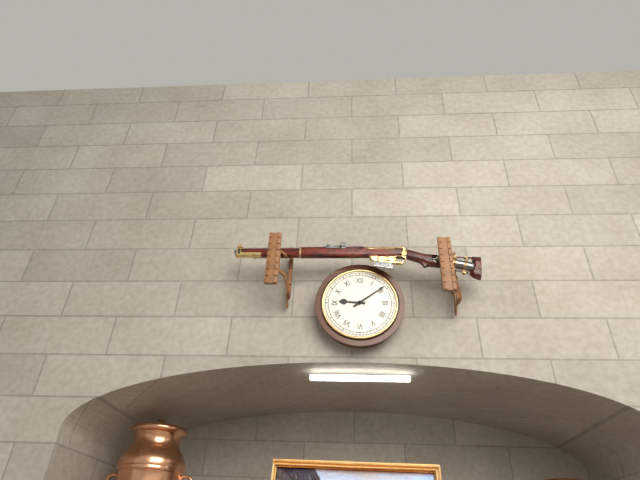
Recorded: h=9 m=9
